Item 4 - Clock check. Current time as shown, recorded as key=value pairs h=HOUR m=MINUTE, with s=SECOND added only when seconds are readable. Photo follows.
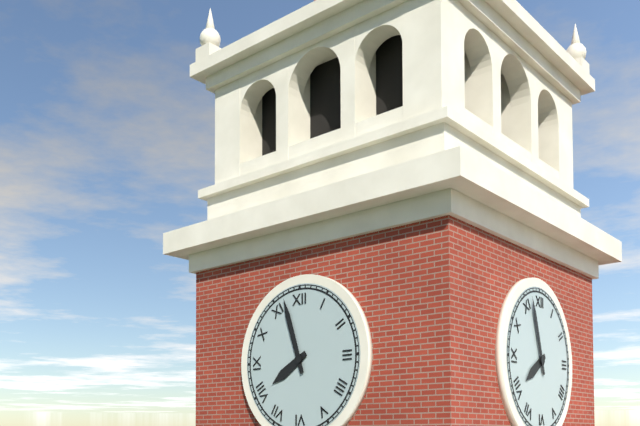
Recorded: h=7 m=57
